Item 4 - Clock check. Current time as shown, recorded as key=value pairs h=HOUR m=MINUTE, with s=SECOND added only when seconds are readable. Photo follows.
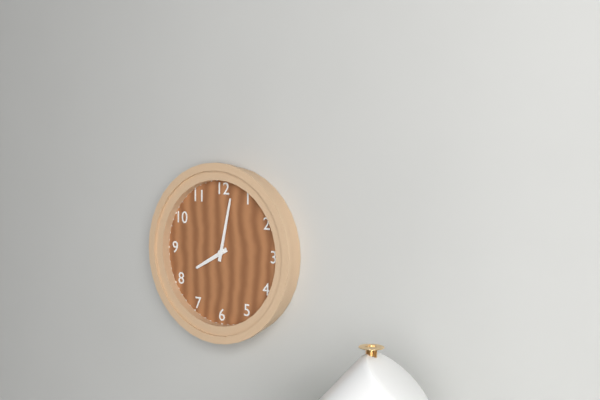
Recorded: h=8 m=2
